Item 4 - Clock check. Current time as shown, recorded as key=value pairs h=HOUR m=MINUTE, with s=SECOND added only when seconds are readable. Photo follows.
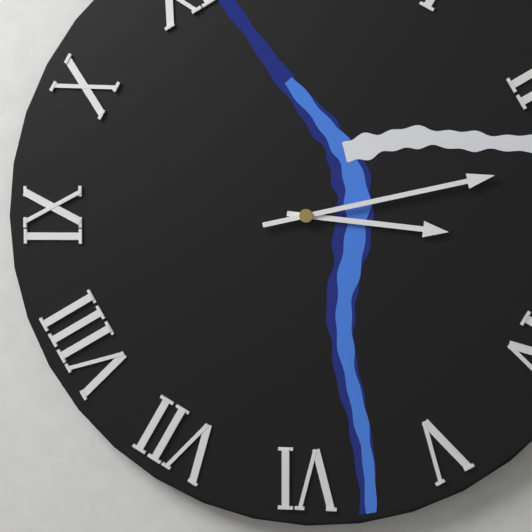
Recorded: h=3 m=13
